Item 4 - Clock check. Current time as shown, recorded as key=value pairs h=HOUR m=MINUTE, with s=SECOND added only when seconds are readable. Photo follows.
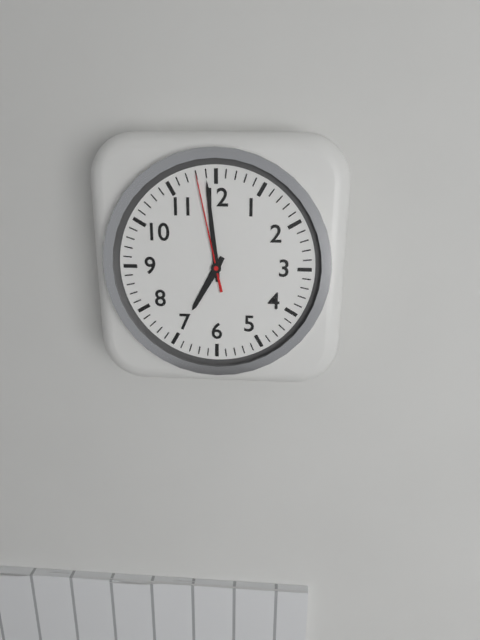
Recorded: h=6 m=59 s=58
